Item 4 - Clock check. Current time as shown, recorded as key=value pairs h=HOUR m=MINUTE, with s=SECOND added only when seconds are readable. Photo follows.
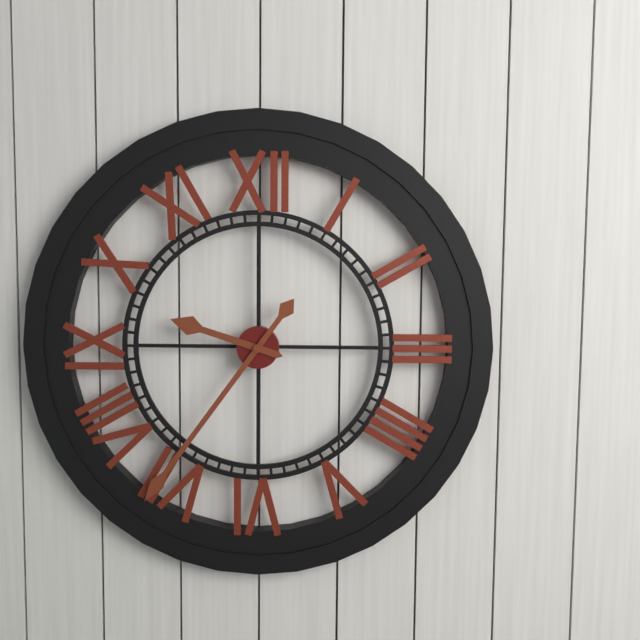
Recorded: h=9 m=36
